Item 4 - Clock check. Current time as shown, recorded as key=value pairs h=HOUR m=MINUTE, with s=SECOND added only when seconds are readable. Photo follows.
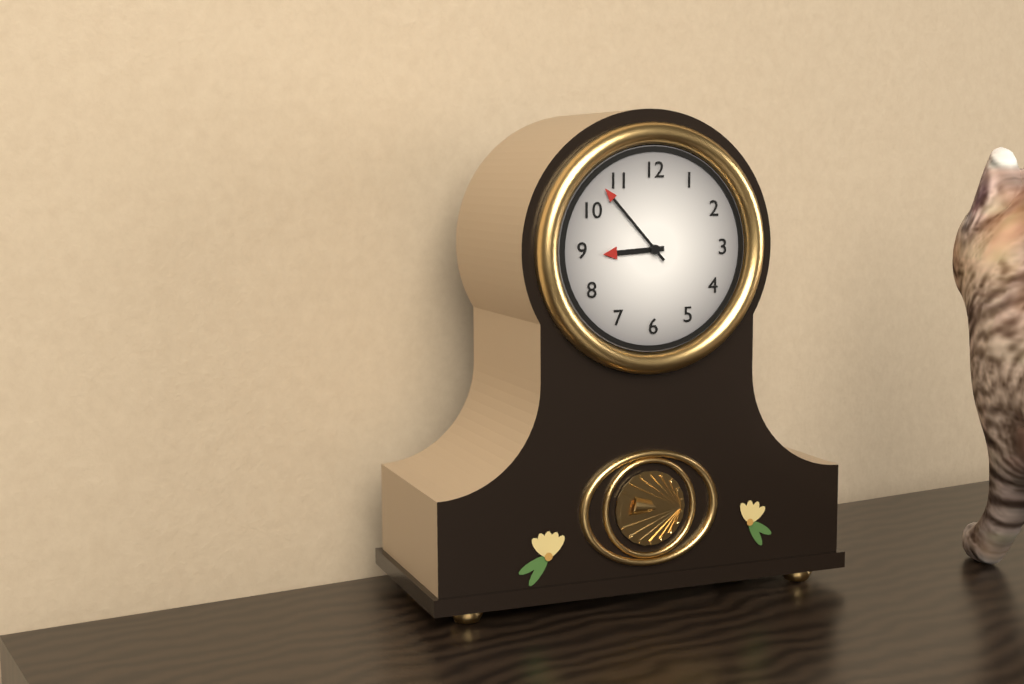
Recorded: h=8 m=53
